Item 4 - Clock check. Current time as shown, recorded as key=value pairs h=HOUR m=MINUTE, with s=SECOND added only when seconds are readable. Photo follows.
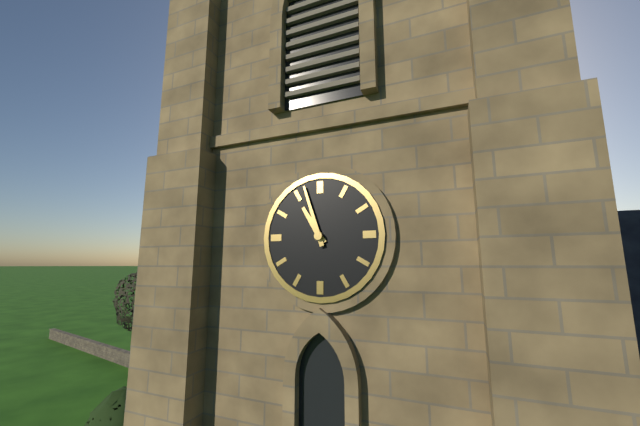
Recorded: h=10 m=57
